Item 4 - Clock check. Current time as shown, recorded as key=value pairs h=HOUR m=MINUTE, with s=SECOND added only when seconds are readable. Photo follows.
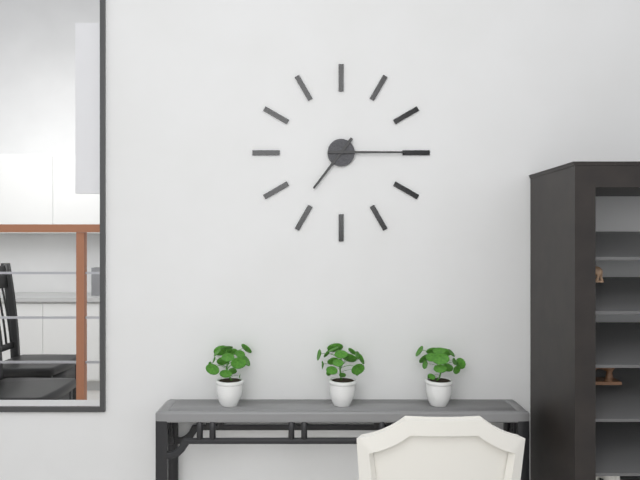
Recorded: h=7 m=15
